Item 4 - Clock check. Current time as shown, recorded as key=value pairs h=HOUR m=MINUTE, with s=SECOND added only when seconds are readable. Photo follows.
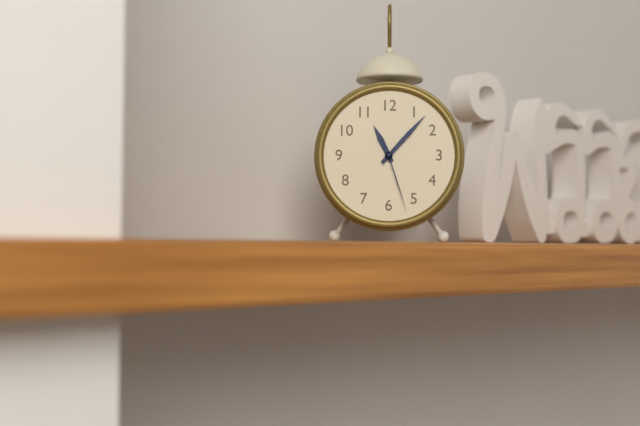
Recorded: h=11 m=7 s=27
